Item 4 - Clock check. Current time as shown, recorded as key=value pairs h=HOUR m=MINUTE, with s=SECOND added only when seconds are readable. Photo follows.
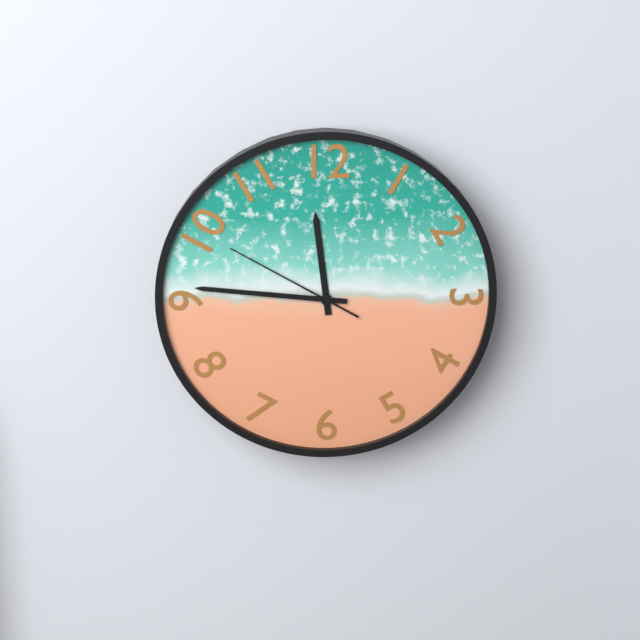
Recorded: h=11 m=46 s=50
